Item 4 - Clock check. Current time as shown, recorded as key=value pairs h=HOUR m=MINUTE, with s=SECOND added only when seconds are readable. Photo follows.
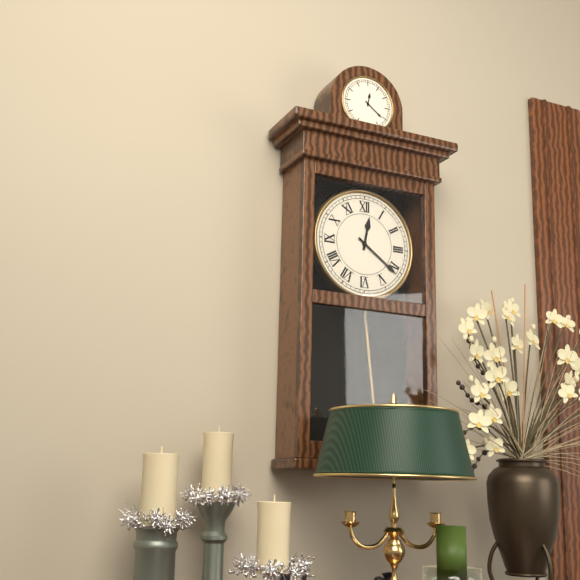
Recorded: h=12 m=21
